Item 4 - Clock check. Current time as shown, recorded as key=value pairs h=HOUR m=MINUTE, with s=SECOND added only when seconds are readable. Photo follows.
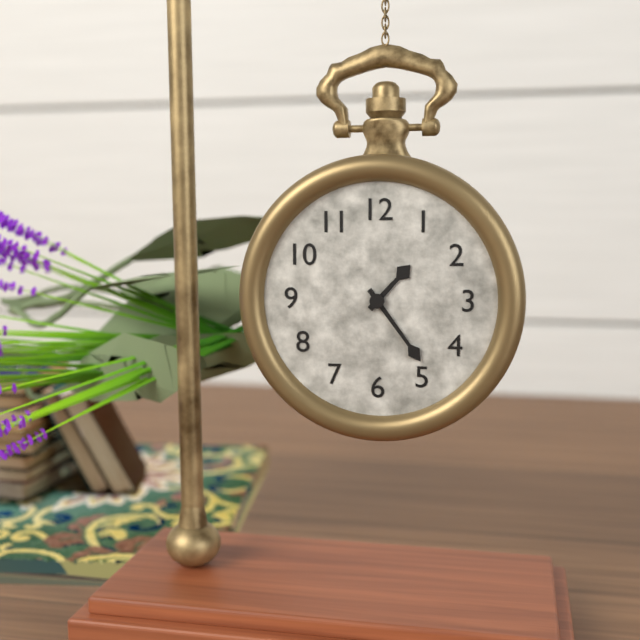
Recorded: h=1 m=24
